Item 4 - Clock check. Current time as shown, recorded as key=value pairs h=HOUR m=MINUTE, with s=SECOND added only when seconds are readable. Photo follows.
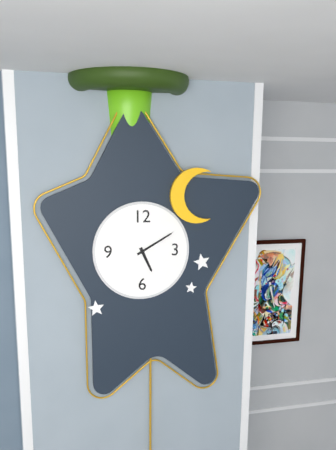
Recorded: h=5 m=10
